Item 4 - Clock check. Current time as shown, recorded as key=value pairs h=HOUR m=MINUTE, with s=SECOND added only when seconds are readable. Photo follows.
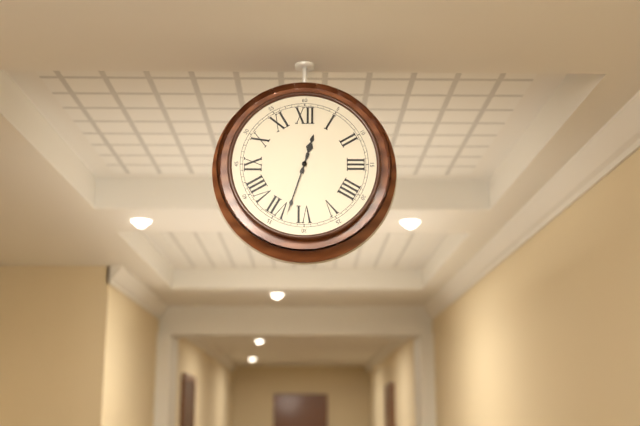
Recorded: h=12 m=33
